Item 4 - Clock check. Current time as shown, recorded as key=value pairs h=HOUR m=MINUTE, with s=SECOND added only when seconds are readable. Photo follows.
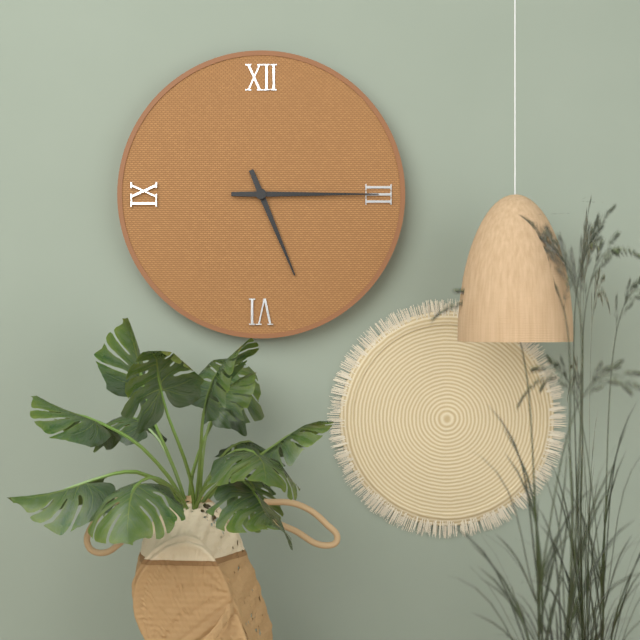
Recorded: h=5 m=15
